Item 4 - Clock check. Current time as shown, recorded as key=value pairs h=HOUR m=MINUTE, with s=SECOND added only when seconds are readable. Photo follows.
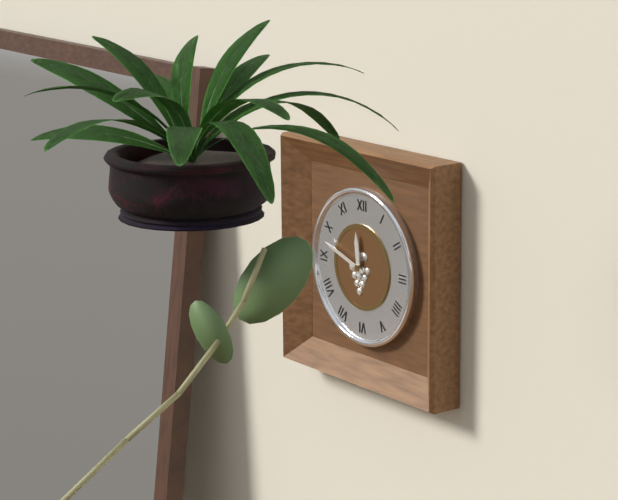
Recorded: h=11 m=48
